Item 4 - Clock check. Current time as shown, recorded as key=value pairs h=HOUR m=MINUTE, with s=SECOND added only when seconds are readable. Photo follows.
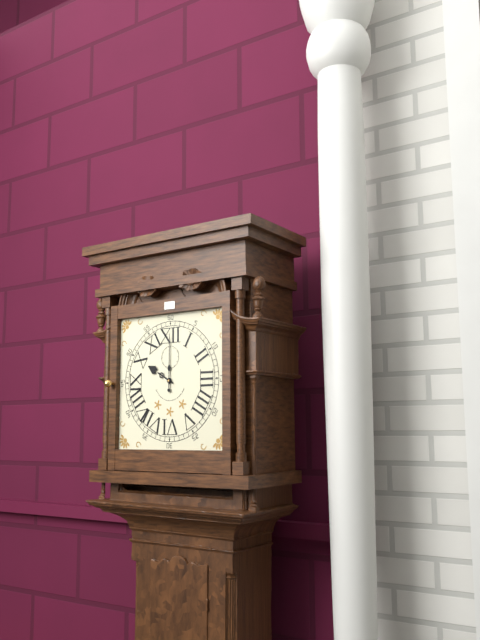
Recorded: h=10 m=0
